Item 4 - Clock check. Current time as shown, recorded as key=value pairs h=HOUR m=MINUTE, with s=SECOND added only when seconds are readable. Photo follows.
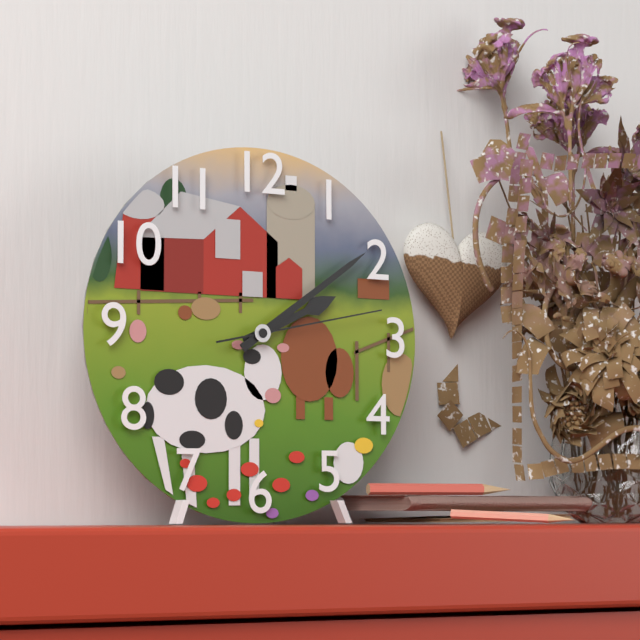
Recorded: h=2 m=9 s=13
